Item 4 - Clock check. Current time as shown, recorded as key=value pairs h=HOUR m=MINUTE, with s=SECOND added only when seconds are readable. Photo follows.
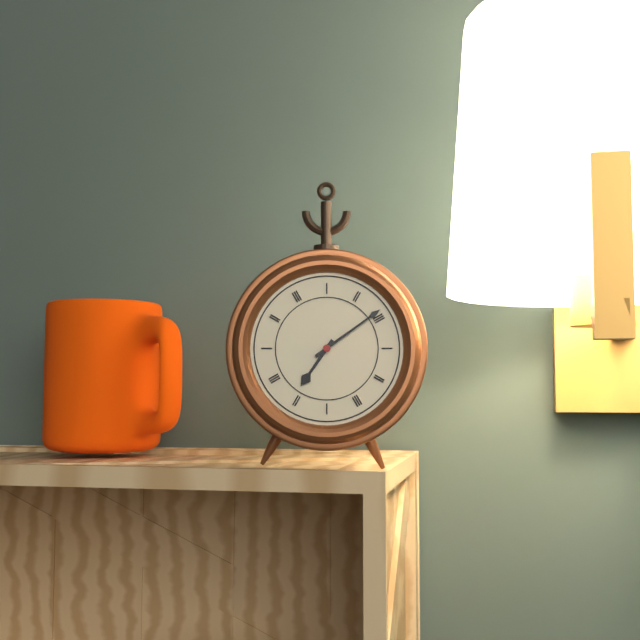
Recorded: h=7 m=9
